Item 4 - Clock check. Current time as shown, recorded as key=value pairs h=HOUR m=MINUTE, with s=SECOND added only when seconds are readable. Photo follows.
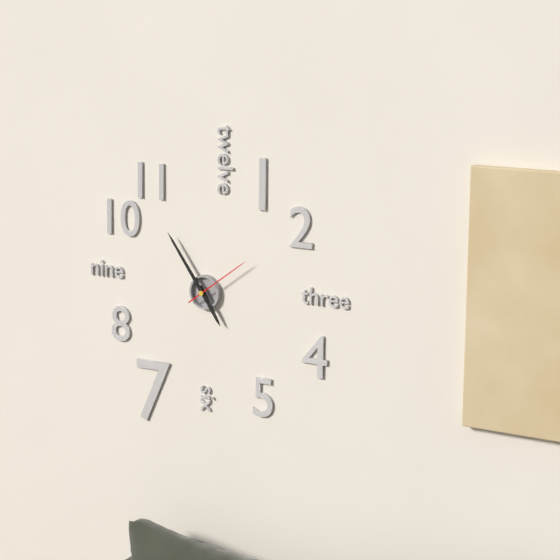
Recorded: h=4 m=54 s=9
